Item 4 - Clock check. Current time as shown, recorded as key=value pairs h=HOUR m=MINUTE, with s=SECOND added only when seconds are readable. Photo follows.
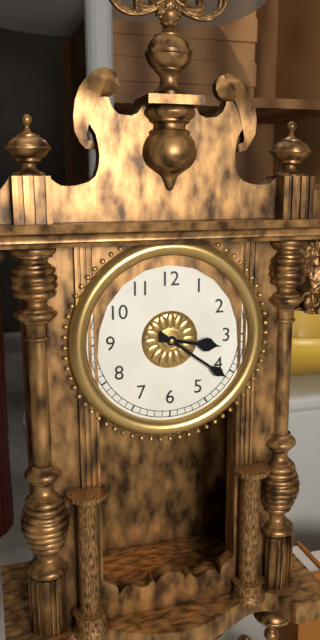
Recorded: h=3 m=21
